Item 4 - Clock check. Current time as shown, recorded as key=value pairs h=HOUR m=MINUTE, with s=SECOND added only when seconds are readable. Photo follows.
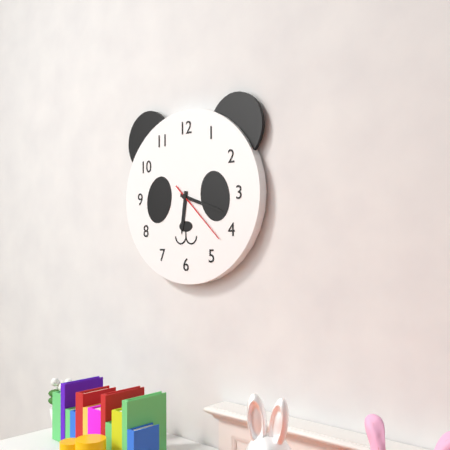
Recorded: h=6 m=18 s=22
